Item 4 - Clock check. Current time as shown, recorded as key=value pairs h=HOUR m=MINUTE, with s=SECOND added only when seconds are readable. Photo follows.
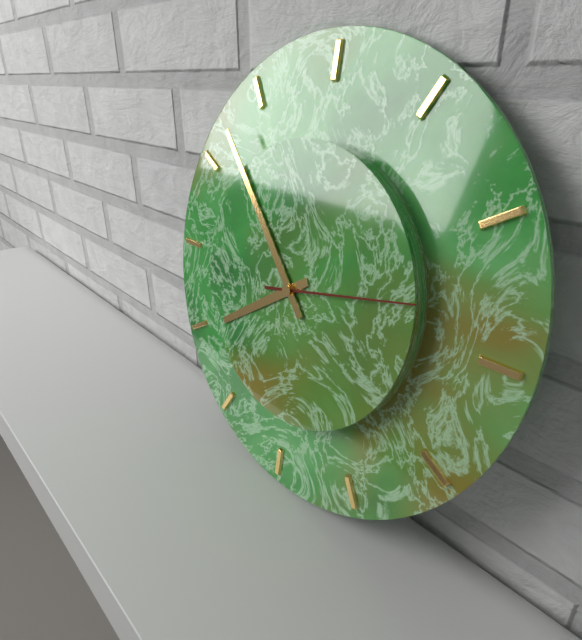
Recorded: h=7 m=53 s=13
